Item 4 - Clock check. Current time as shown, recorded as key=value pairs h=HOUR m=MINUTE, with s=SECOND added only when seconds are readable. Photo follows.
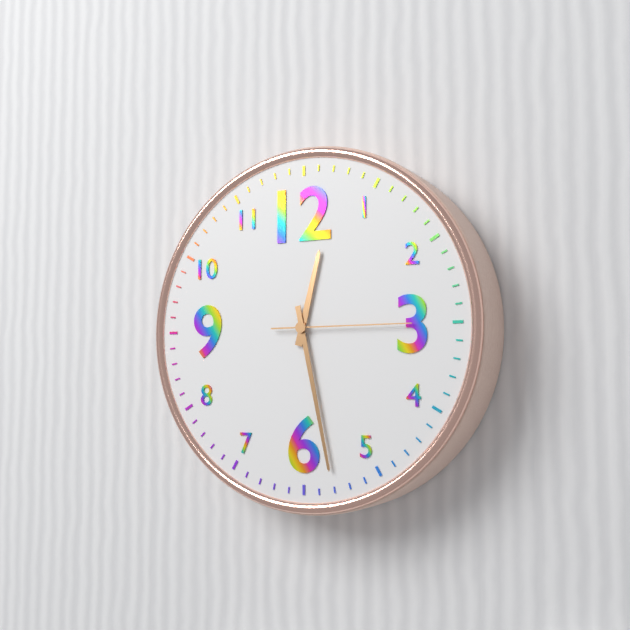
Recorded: h=12 m=28 s=15
